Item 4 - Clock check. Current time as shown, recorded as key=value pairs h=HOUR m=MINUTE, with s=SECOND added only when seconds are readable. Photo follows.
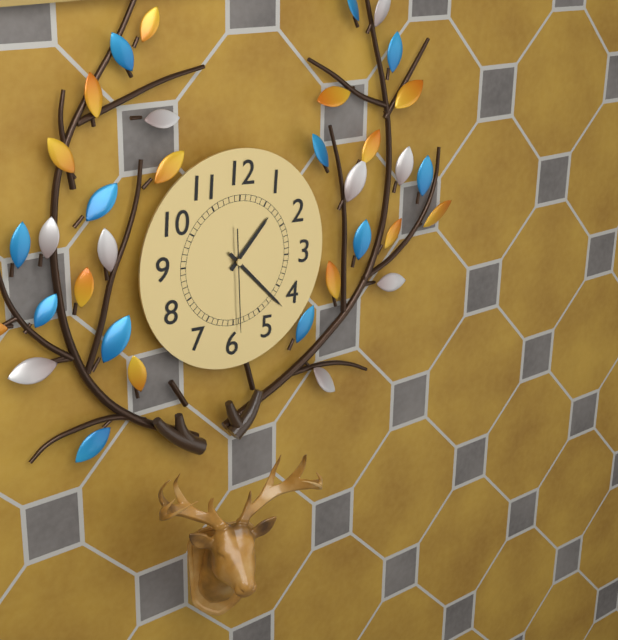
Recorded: h=1 m=22 s=29
